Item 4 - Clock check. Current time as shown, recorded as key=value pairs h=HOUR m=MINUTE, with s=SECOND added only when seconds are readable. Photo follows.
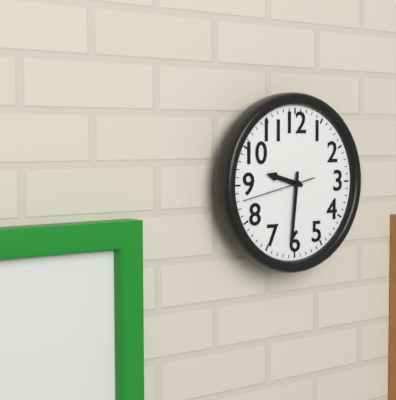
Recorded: h=9 m=31
